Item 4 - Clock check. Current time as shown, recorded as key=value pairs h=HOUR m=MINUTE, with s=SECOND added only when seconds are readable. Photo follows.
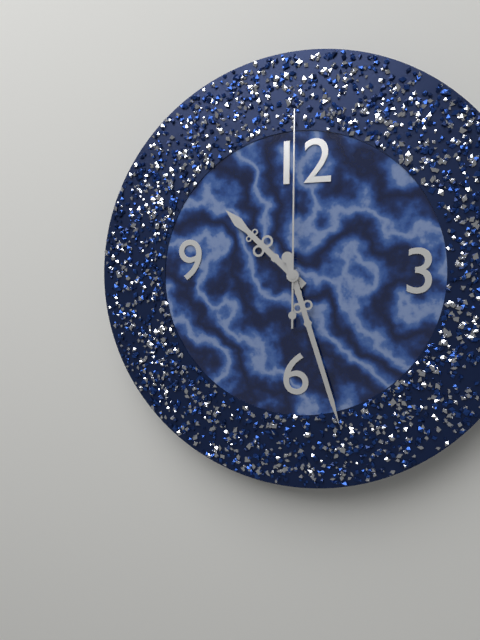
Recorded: h=10 m=27 s=0
